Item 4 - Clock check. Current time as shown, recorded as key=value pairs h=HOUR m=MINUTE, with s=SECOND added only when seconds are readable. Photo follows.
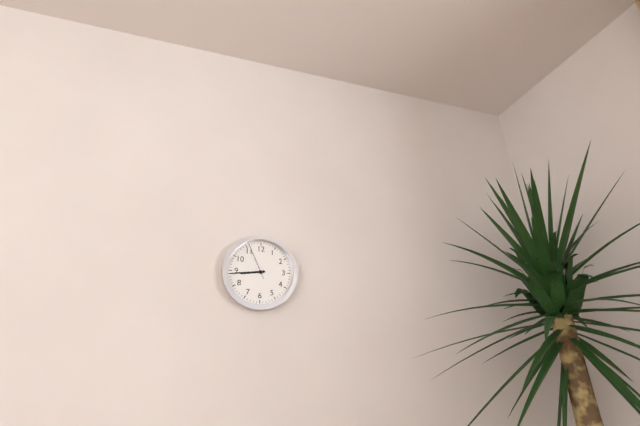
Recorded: h=8 m=44
